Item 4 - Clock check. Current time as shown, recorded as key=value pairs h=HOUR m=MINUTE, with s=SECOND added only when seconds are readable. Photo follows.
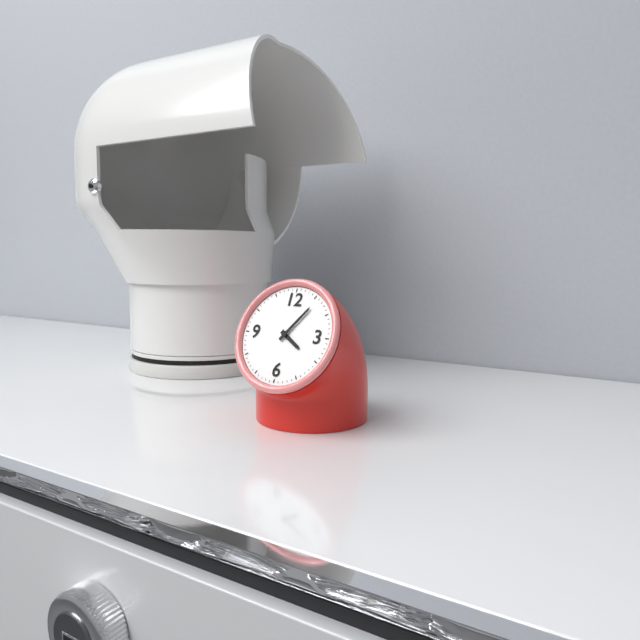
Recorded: h=4 m=6
